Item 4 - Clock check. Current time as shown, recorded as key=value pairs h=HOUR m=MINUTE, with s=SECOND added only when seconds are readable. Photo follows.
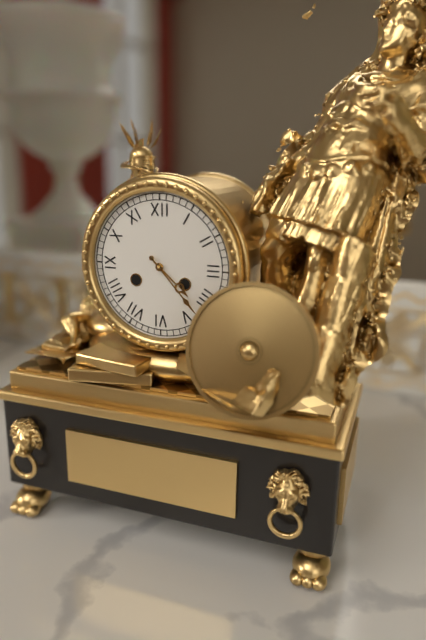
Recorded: h=4 m=23
